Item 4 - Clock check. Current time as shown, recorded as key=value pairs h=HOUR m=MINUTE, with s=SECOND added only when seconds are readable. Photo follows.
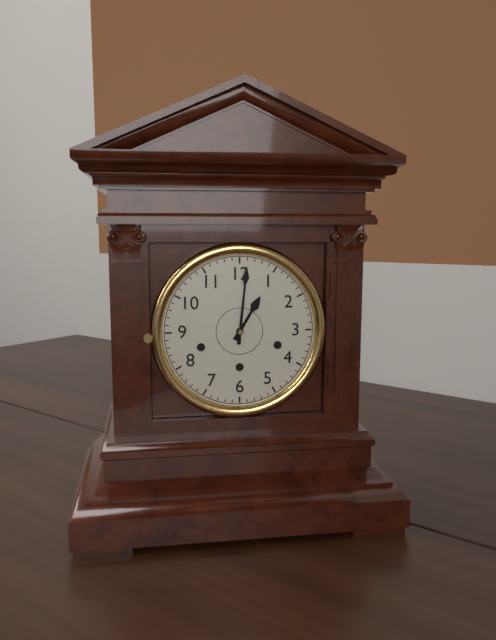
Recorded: h=1 m=1
